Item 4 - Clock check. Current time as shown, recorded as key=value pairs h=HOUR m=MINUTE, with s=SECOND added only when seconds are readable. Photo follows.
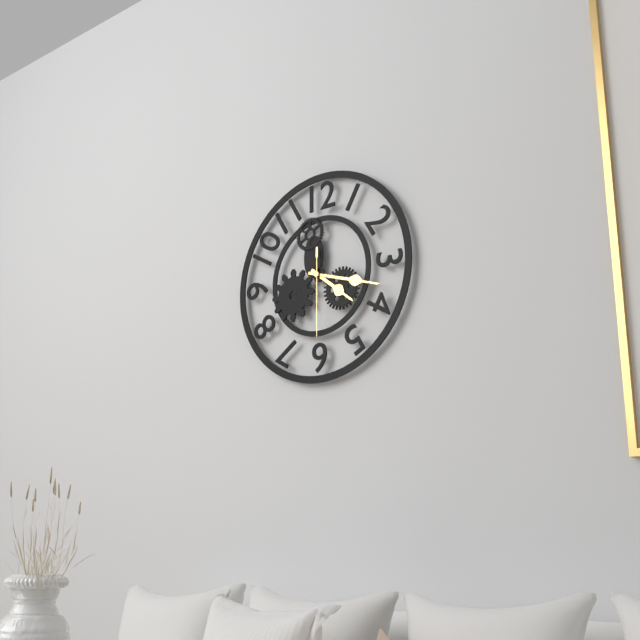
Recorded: h=4 m=18 s=30
